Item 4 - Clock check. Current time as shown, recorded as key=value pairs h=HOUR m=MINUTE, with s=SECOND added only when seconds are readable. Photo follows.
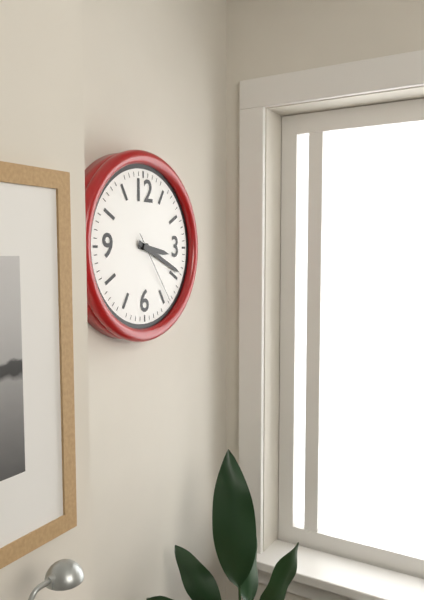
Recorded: h=3 m=19 s=24
